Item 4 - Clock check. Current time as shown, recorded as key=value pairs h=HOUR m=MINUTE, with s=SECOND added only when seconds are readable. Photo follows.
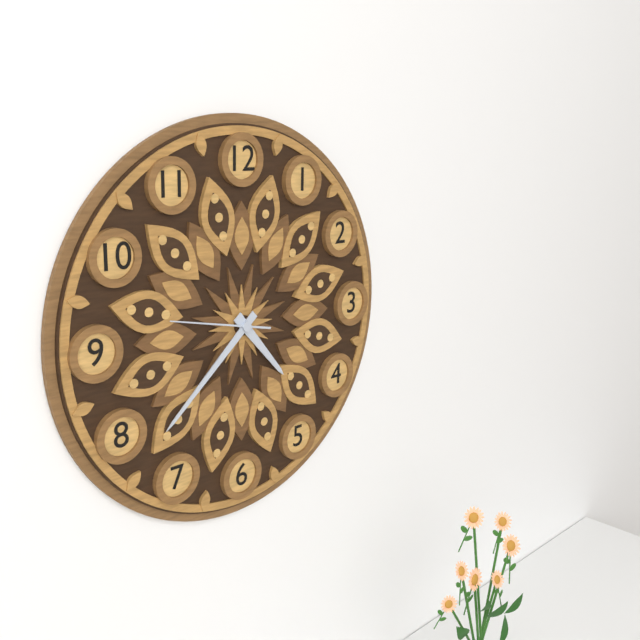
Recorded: h=4 m=38 s=47
